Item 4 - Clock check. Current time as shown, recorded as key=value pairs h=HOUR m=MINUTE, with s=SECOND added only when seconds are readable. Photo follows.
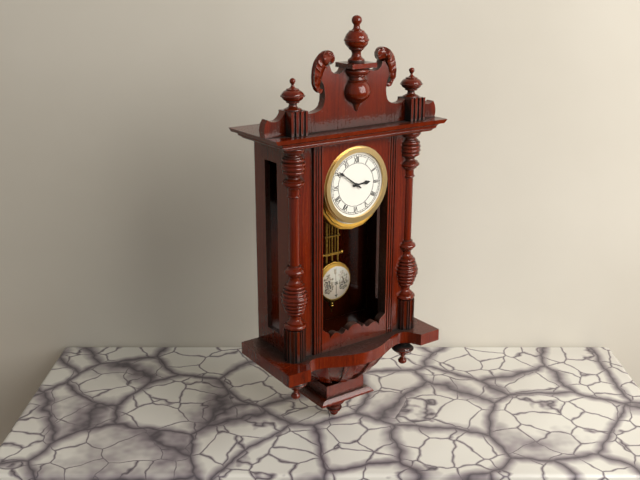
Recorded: h=2 m=51
